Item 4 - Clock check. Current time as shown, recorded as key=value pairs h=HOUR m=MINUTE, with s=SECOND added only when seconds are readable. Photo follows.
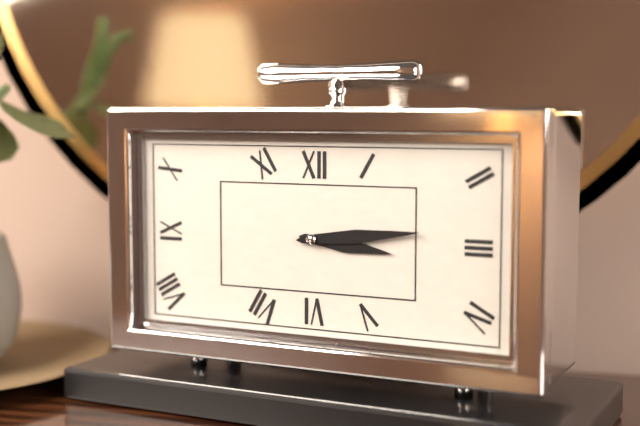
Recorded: h=3 m=14
